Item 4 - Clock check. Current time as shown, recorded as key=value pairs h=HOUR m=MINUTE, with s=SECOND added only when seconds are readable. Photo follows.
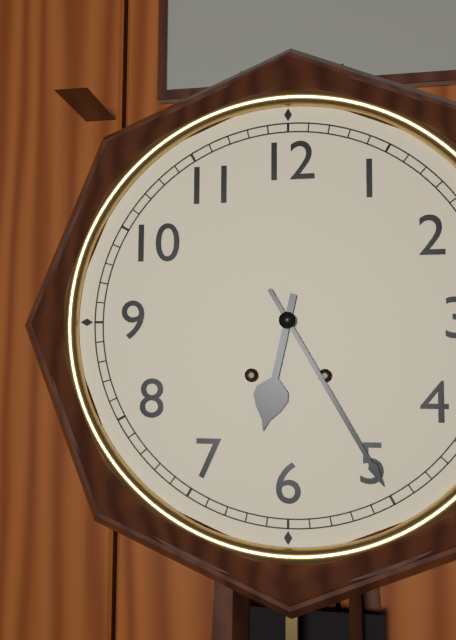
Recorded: h=6 m=25
